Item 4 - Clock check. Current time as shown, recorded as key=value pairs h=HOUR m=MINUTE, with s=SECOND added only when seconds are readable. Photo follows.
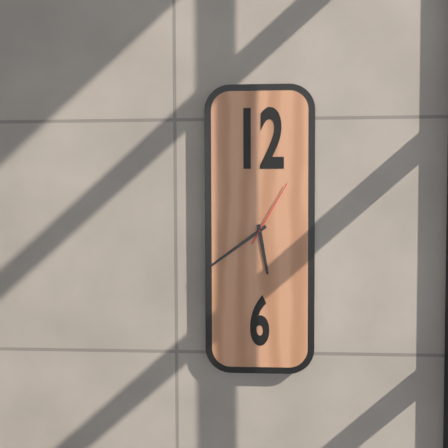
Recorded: h=5 m=39 s=5
